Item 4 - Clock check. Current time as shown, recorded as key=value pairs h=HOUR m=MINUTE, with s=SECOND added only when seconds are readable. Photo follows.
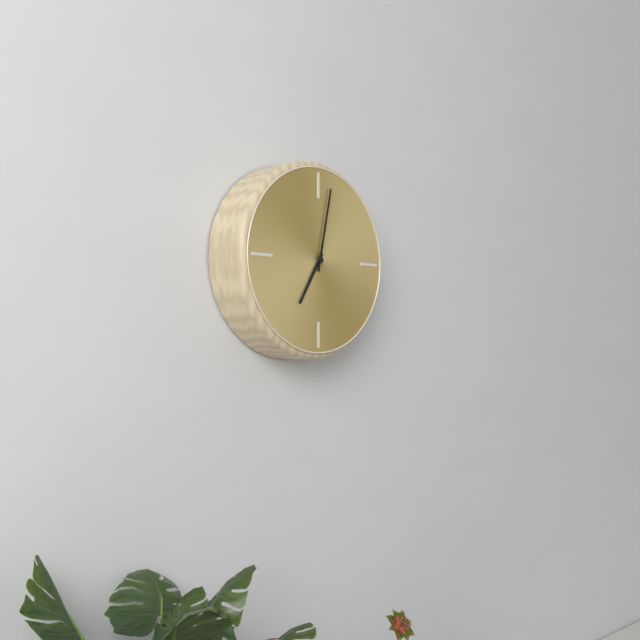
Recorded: h=7 m=2
